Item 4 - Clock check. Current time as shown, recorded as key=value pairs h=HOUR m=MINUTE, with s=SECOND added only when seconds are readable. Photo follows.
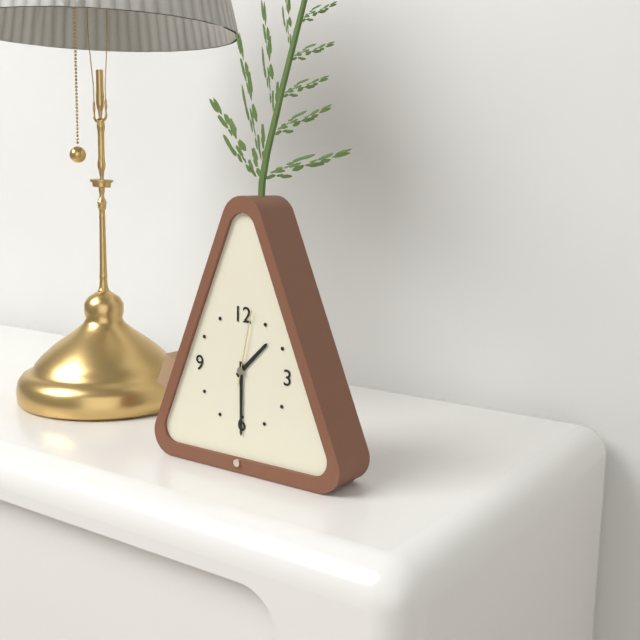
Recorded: h=1 m=30 s=2
